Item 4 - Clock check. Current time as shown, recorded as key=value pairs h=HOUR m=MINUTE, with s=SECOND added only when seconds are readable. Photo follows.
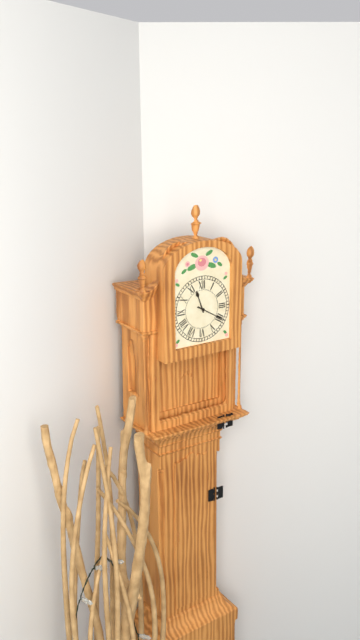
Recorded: h=11 m=20
